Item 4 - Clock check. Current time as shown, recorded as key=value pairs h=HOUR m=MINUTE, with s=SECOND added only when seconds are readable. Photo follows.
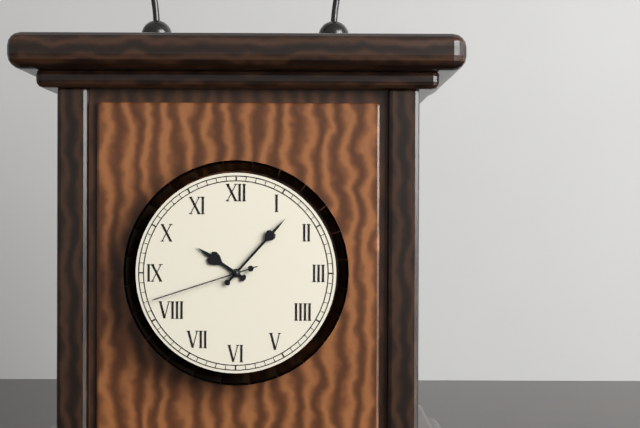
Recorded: h=10 m=7 s=42
